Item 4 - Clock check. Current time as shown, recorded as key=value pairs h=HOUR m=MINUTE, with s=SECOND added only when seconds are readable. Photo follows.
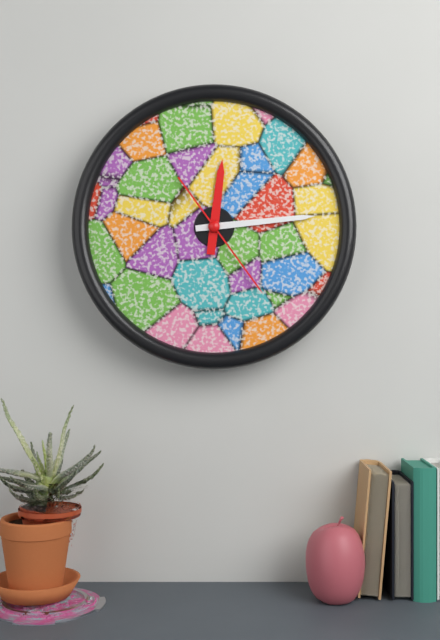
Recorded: h=12 m=14 s=24
